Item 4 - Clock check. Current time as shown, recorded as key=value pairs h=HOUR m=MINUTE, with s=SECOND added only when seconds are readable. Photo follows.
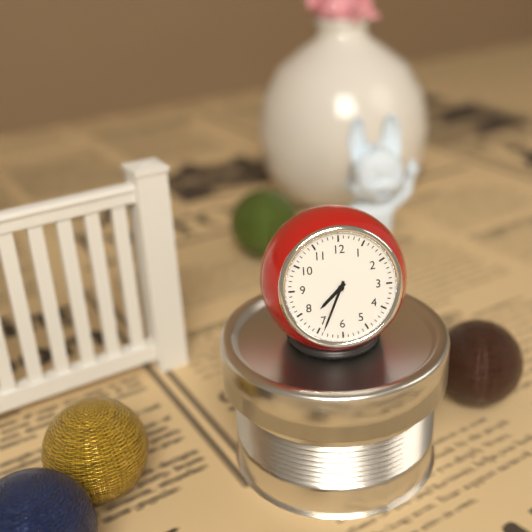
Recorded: h=7 m=34
